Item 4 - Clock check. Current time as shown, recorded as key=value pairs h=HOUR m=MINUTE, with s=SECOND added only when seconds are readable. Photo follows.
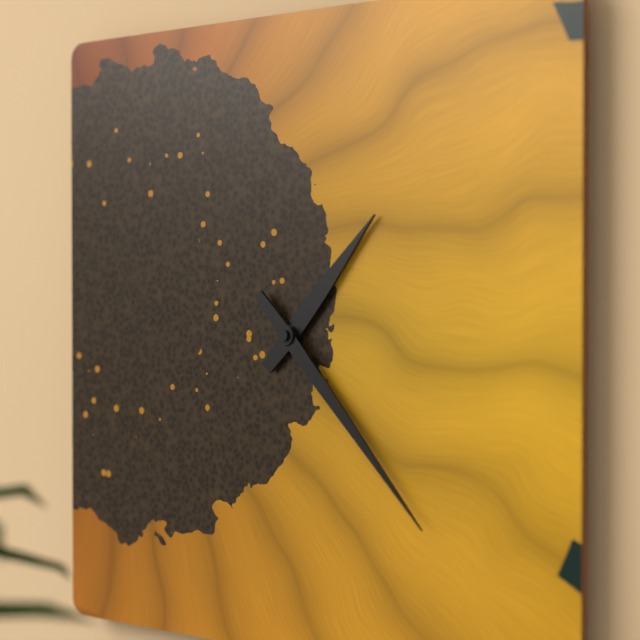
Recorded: h=1 m=23
